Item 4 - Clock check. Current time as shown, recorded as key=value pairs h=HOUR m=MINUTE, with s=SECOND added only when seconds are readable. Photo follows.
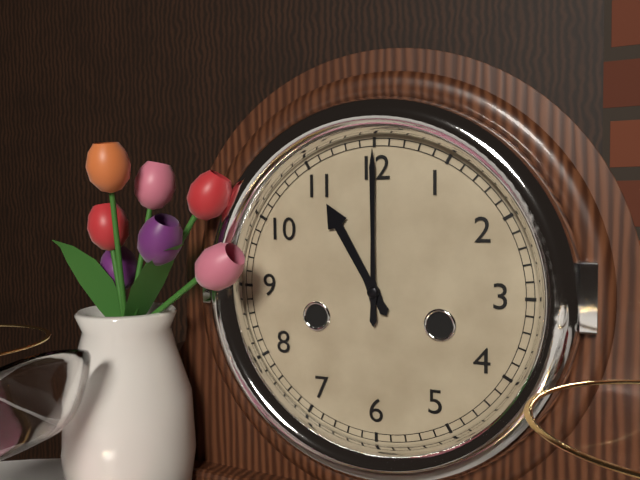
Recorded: h=11 m=0
